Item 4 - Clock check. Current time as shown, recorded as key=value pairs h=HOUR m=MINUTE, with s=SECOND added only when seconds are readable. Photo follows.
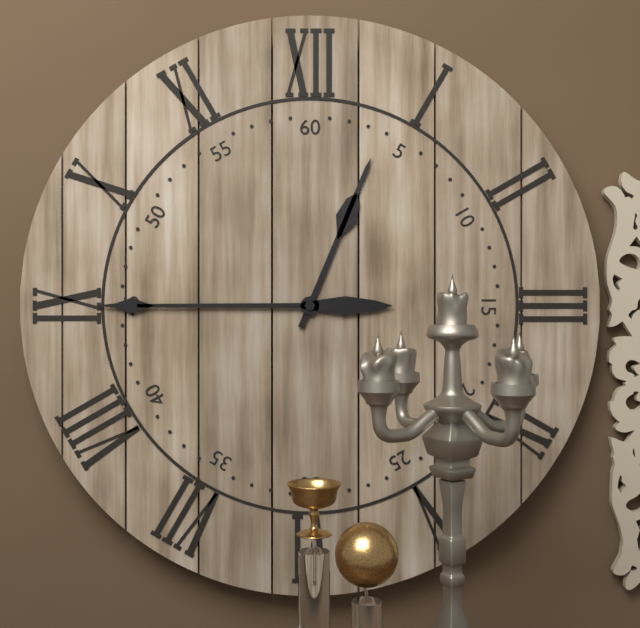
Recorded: h=12 m=45
